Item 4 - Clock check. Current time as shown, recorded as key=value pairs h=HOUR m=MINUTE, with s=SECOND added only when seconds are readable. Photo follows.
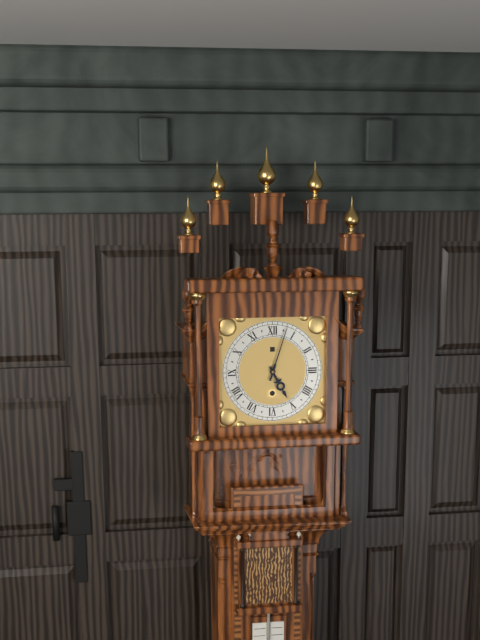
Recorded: h=5 m=3
